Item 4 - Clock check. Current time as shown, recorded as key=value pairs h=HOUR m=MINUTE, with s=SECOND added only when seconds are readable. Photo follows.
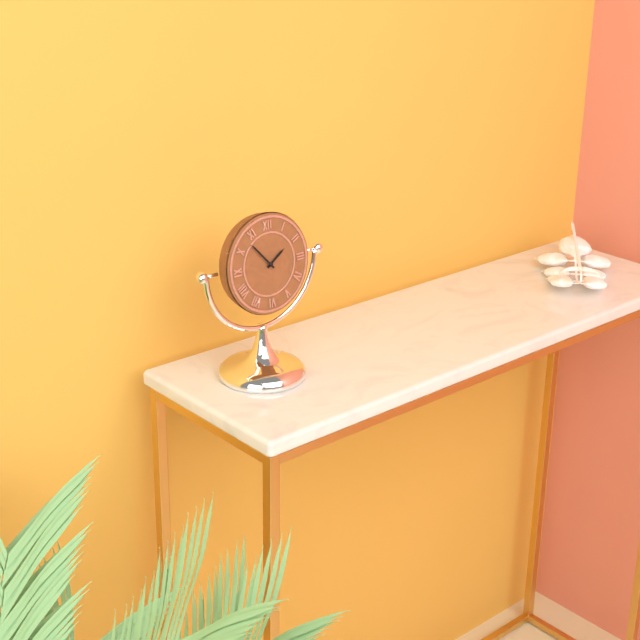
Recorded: h=1 m=53
